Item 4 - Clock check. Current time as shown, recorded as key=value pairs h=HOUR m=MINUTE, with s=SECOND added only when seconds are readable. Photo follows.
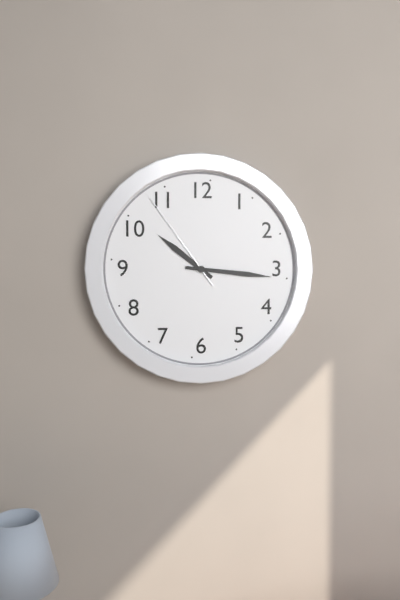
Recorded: h=10 m=16 s=54
